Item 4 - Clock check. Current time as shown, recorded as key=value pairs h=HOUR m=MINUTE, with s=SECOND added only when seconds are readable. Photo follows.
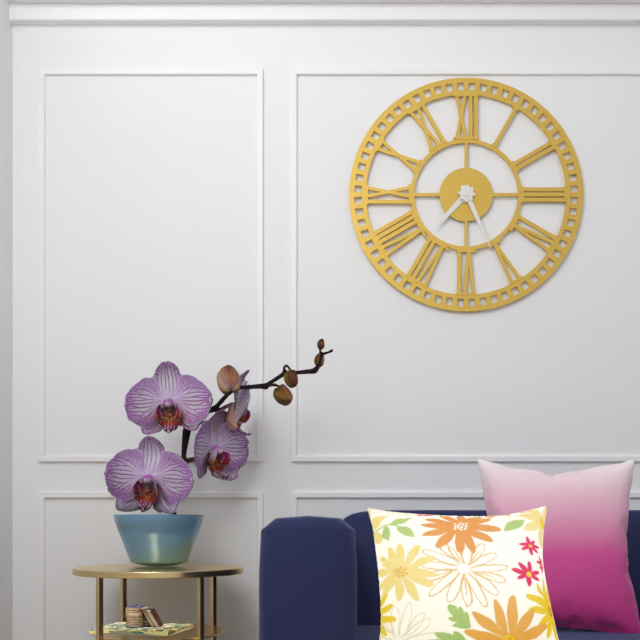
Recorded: h=7 m=26
